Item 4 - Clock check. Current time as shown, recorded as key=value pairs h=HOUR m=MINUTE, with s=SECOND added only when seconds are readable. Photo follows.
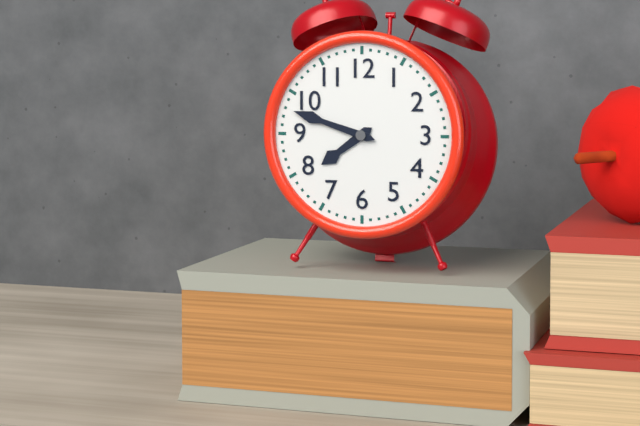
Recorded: h=7 m=48
